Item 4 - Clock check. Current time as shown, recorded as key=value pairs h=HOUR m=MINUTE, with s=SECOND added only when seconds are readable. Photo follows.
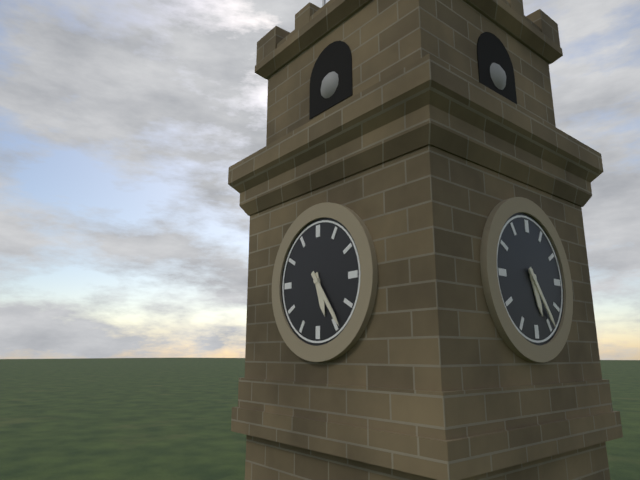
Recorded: h=5 m=24
